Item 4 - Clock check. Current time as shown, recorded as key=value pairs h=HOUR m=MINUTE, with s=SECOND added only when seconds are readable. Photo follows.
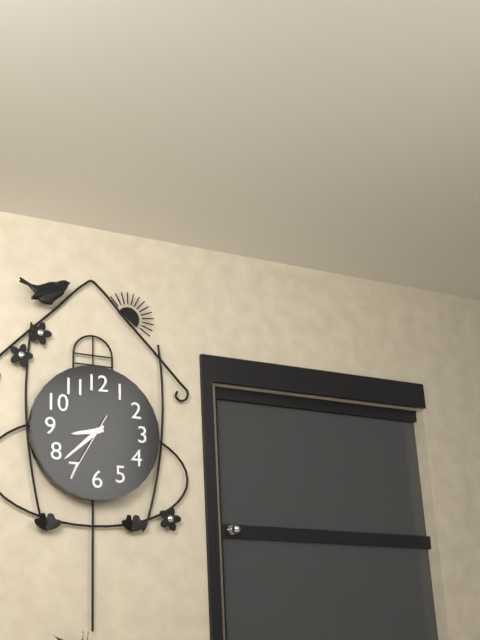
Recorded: h=8 m=38 s=35
